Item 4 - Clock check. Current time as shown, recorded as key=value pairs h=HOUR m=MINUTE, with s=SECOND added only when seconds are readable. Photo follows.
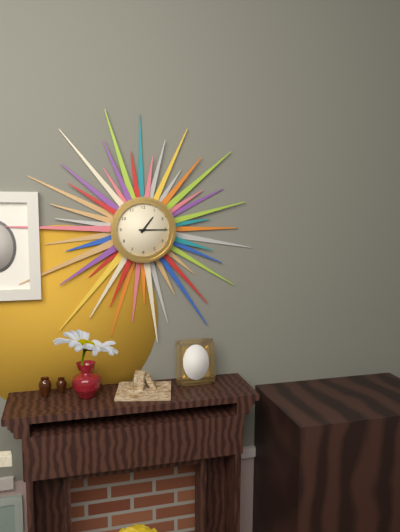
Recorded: h=1 m=15
